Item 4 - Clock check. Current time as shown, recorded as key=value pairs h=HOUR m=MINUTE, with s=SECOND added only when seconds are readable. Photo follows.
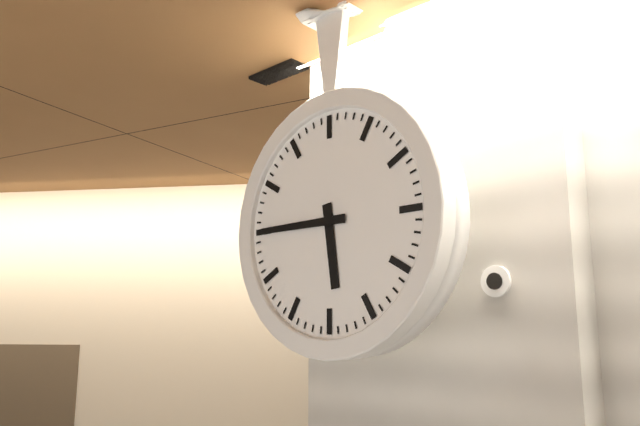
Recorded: h=5 m=45
